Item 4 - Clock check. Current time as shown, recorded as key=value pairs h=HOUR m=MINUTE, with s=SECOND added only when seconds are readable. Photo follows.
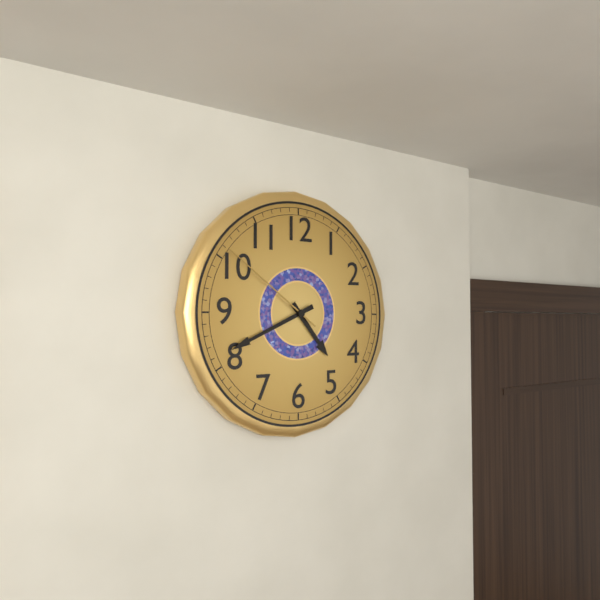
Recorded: h=4 m=41 s=51
